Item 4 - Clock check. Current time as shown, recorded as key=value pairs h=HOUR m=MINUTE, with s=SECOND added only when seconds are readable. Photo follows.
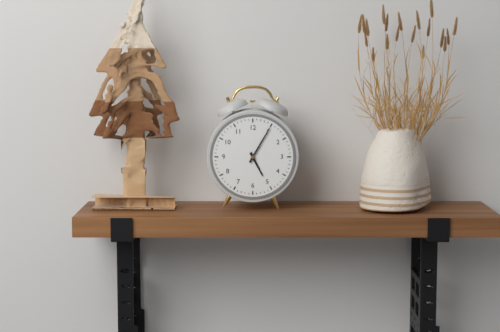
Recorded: h=5 m=5
